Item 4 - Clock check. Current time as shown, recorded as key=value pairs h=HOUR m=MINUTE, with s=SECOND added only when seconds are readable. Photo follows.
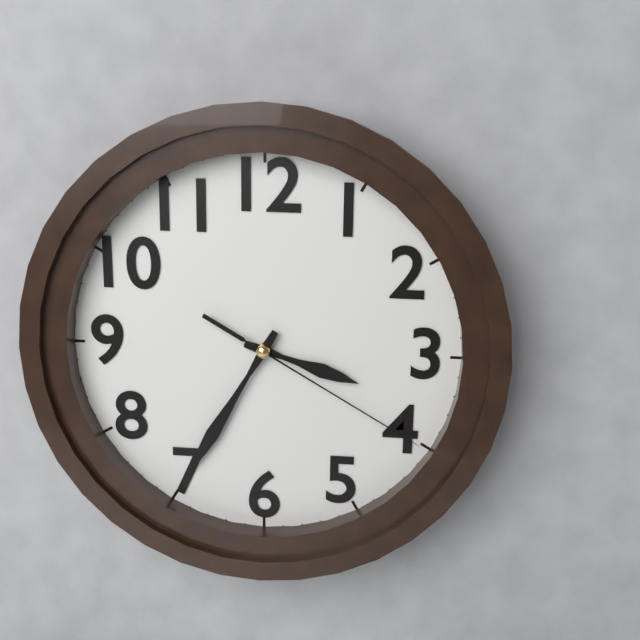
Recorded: h=3 m=35 s=20
